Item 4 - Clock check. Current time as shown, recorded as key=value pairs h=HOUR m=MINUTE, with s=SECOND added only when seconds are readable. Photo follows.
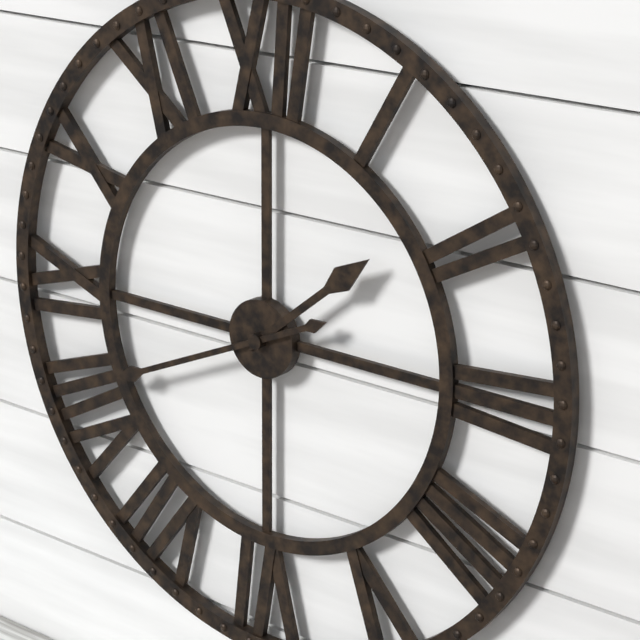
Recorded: h=1 m=41
